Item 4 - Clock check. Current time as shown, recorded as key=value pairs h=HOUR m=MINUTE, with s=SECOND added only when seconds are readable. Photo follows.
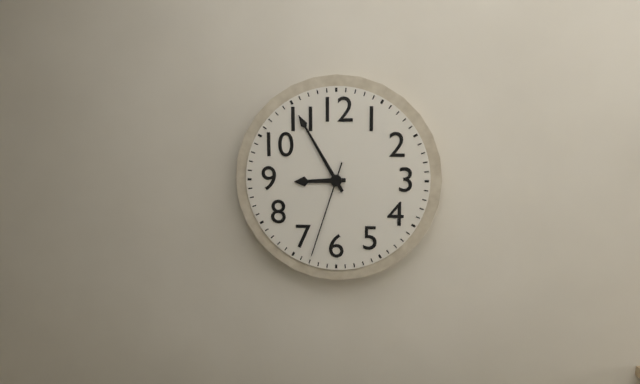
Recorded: h=8 m=55 s=33
